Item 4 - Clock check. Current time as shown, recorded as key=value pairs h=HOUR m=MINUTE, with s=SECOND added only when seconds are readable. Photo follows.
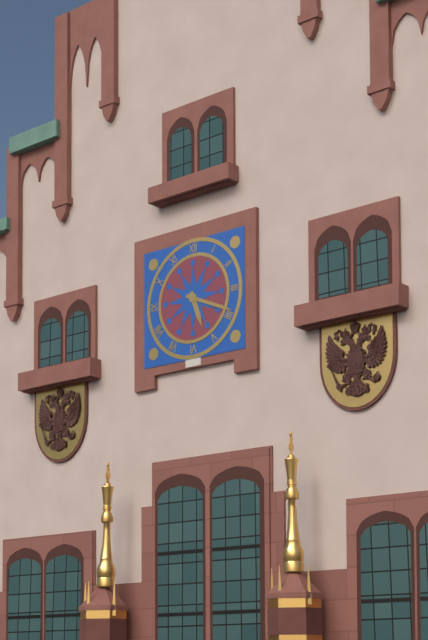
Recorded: h=5 m=19
